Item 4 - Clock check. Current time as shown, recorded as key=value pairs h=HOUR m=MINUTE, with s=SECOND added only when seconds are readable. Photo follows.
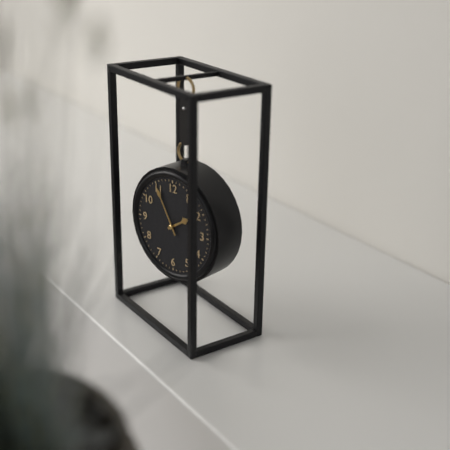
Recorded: h=1 m=55
